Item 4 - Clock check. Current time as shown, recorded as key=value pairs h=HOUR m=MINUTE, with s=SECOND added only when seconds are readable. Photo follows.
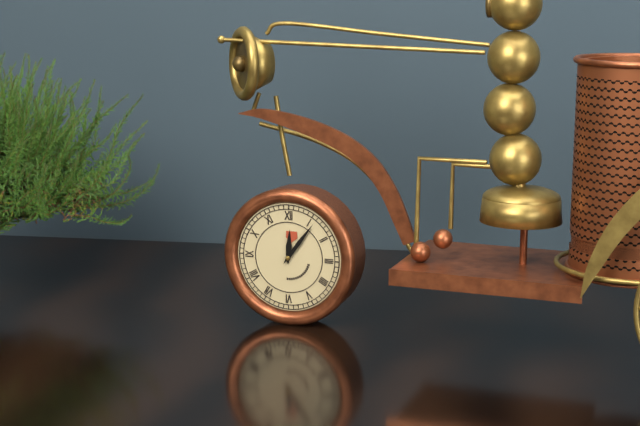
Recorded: h=12 m=6
